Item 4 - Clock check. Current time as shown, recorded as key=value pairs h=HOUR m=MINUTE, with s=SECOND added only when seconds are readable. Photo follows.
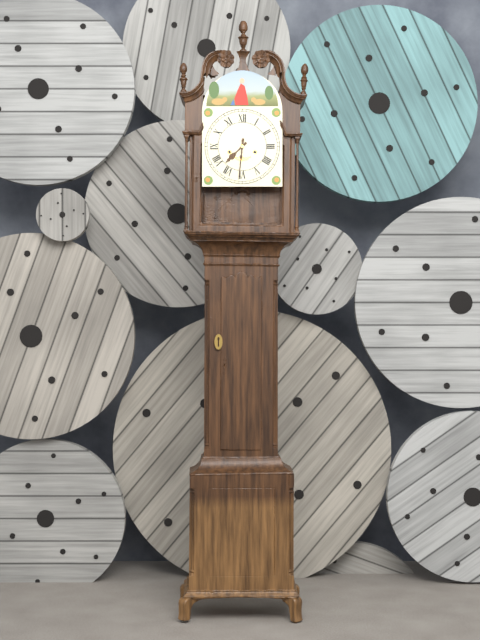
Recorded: h=7 m=31
